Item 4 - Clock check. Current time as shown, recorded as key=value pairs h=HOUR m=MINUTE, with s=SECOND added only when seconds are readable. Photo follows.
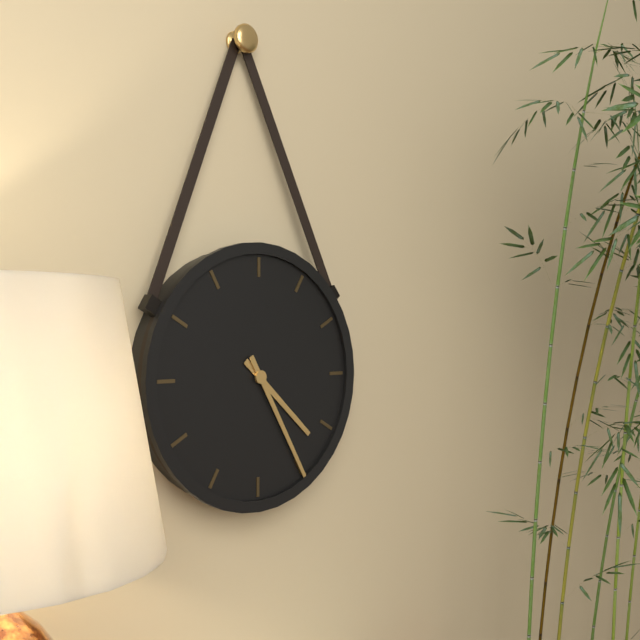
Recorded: h=4 m=25
